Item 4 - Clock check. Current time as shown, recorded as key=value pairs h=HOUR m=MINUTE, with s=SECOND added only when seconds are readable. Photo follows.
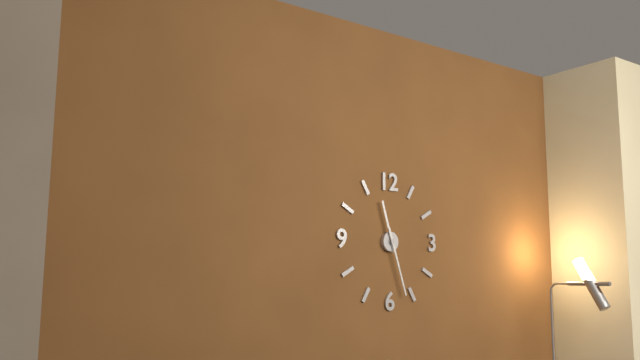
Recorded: h=11 m=27
